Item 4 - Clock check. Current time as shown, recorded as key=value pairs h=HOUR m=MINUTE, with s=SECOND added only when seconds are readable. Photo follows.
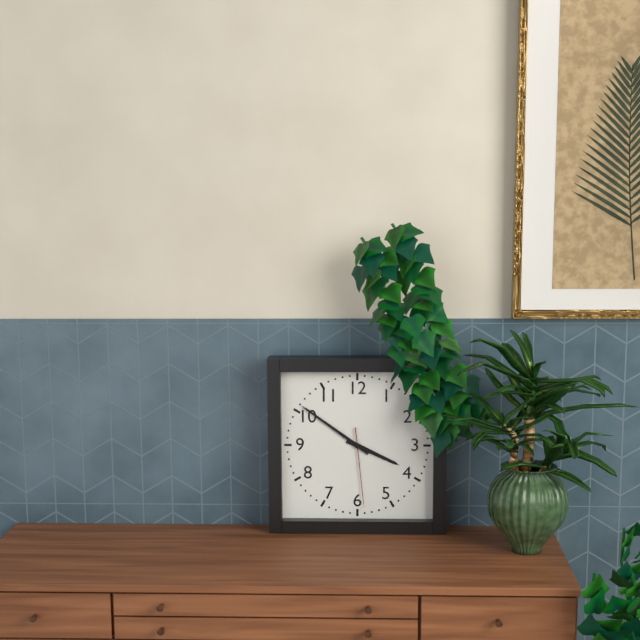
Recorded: h=3 m=51 s=29
